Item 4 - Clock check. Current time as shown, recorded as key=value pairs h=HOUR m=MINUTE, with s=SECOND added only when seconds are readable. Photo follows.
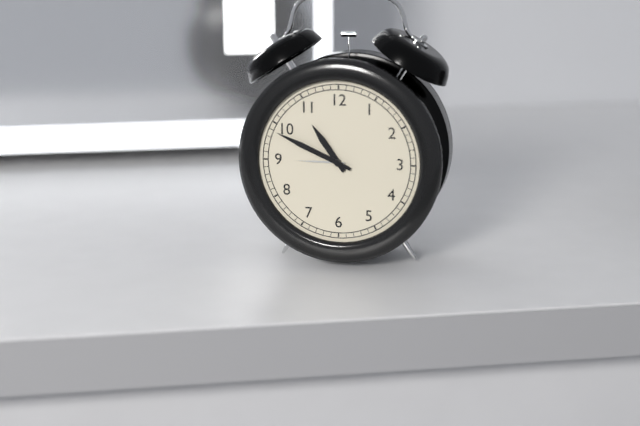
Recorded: h=10 m=49
